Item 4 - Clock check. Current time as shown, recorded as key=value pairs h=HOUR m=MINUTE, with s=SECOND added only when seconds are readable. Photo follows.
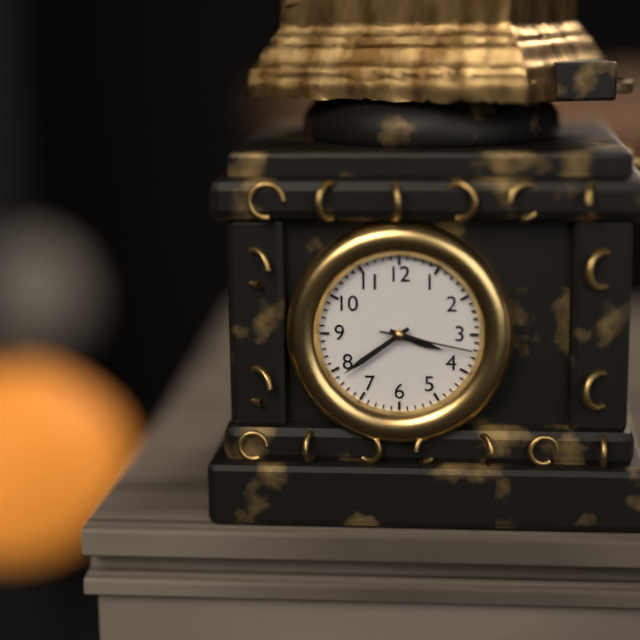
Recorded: h=3 m=39 s=17
